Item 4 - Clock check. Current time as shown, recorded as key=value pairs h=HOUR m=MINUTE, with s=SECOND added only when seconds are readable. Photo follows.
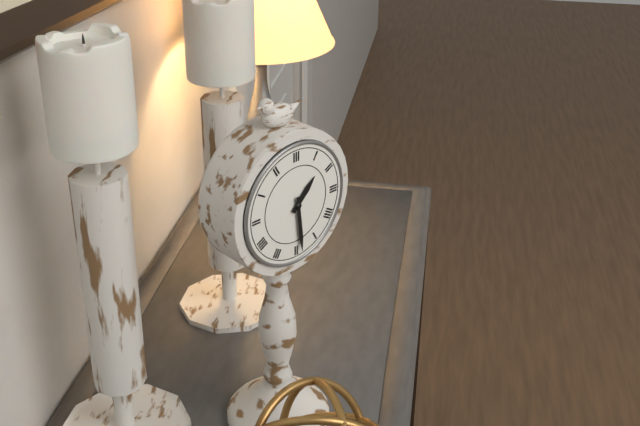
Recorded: h=1 m=29
